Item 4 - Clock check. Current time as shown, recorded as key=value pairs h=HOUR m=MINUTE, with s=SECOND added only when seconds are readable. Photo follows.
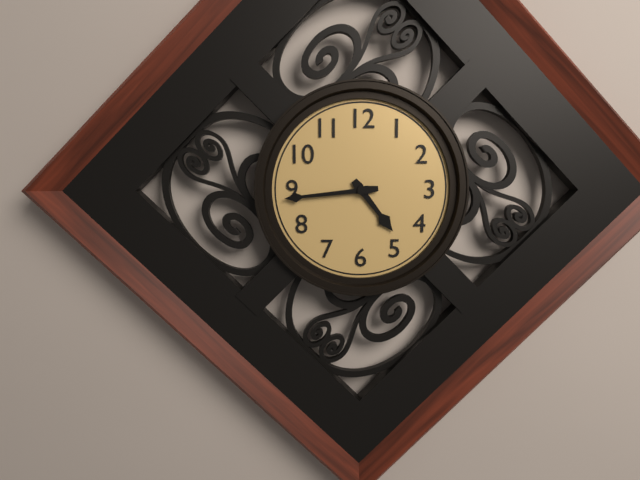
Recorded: h=4 m=44
